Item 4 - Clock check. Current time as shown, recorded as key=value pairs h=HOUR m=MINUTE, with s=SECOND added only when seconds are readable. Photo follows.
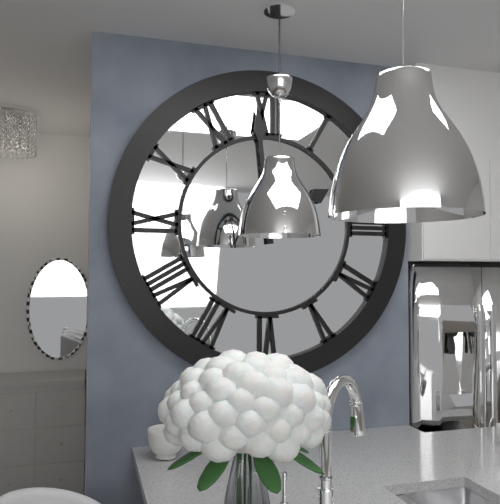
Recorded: h=1 m=59
